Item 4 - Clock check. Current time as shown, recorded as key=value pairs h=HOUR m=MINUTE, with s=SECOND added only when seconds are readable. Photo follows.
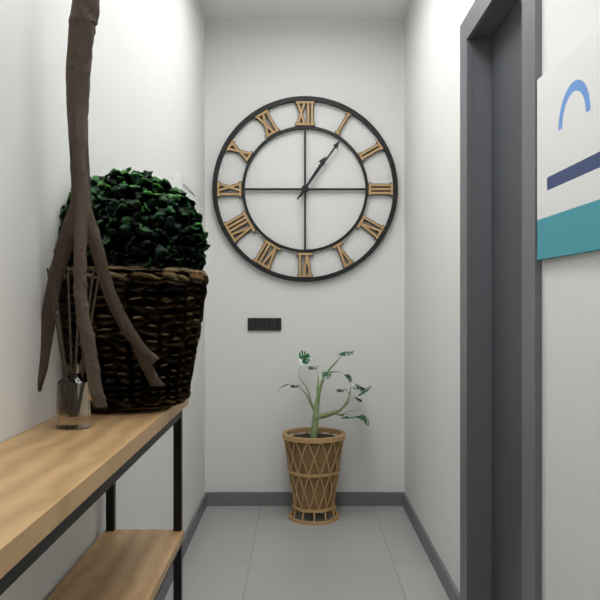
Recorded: h=1 m=6
